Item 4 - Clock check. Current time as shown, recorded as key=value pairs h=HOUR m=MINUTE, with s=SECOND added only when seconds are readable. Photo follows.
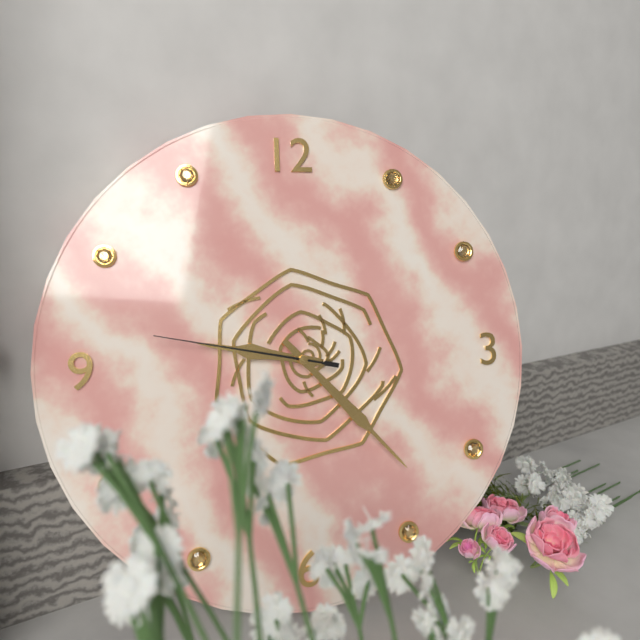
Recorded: h=9 m=23 s=47
